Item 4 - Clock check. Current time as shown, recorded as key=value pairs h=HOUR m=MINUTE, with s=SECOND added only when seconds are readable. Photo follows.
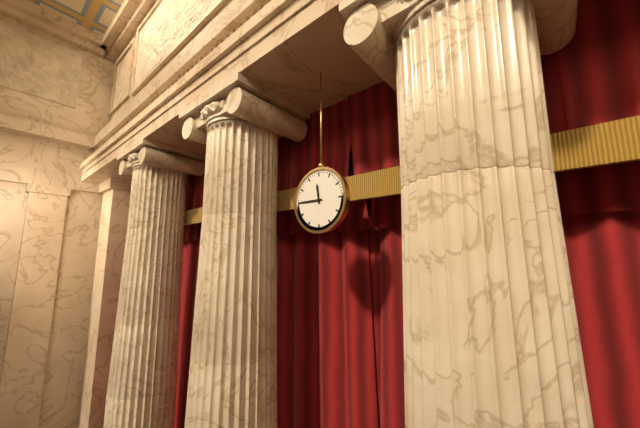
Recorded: h=11 m=45
